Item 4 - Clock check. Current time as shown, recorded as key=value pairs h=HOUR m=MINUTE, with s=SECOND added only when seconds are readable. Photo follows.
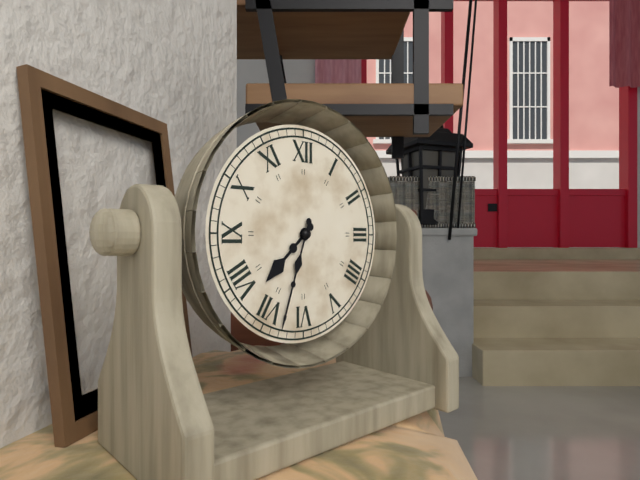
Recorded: h=7 m=33
